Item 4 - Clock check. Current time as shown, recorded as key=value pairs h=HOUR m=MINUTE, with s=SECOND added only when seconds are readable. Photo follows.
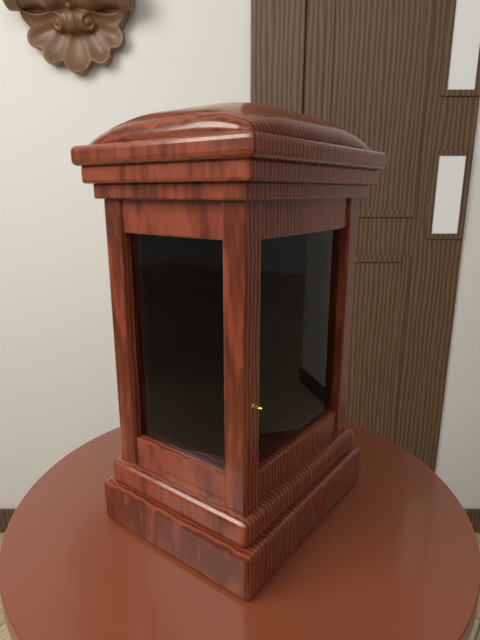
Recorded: h=11 m=50
